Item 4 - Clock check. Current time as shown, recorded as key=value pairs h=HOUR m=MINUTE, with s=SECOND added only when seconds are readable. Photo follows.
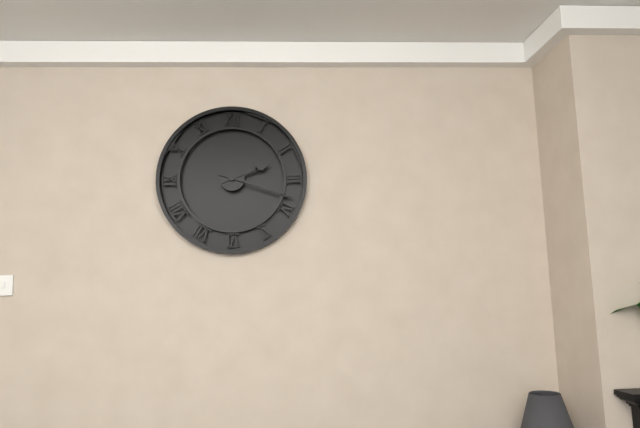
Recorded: h=2 m=18
